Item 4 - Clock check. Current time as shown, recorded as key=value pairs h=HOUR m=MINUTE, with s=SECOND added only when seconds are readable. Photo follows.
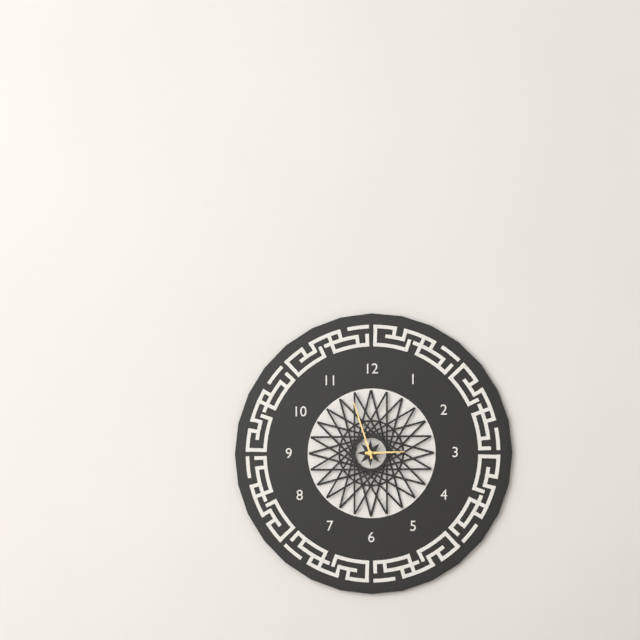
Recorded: h=2 m=57
